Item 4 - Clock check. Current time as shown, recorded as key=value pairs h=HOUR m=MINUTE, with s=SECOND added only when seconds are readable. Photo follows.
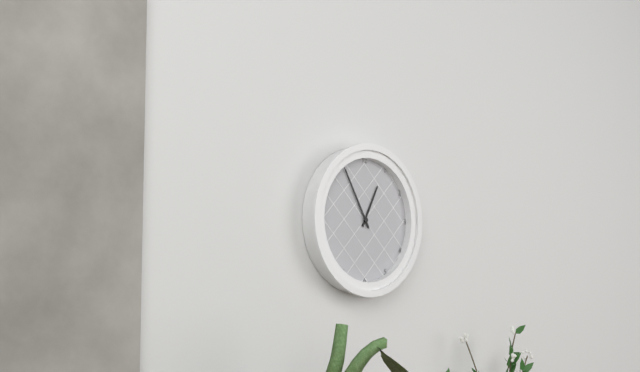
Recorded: h=12 m=55
